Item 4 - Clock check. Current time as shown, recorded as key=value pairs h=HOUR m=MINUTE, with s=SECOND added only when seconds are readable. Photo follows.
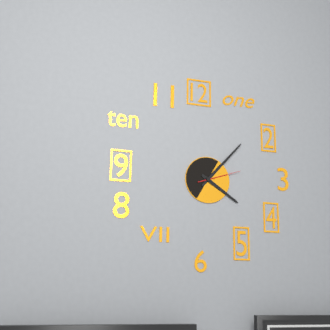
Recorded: h=4 m=7
